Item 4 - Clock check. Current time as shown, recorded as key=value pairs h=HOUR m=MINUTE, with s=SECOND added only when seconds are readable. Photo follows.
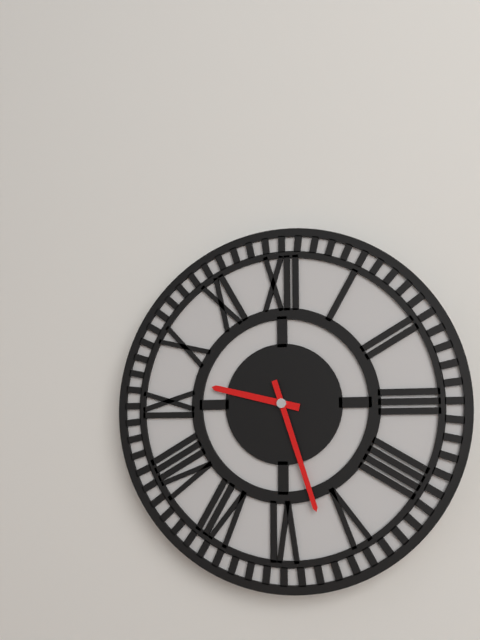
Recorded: h=9 m=27
